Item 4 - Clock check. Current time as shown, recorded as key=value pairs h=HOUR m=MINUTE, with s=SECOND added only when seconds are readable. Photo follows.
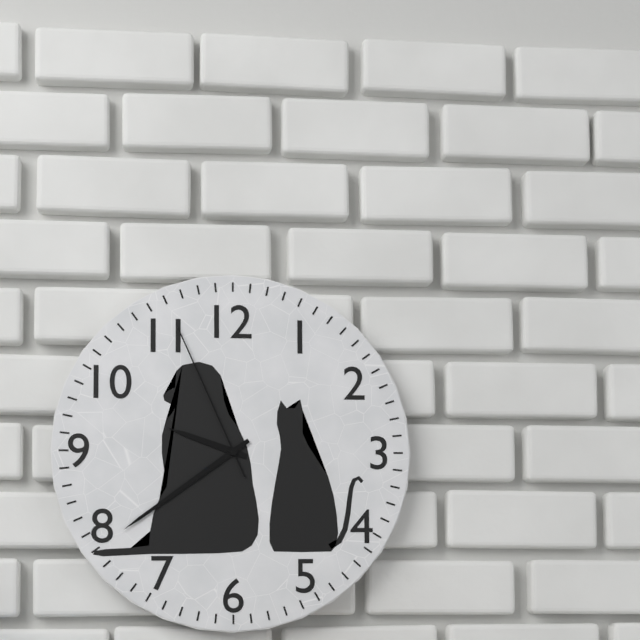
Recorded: h=9 m=39 s=56
